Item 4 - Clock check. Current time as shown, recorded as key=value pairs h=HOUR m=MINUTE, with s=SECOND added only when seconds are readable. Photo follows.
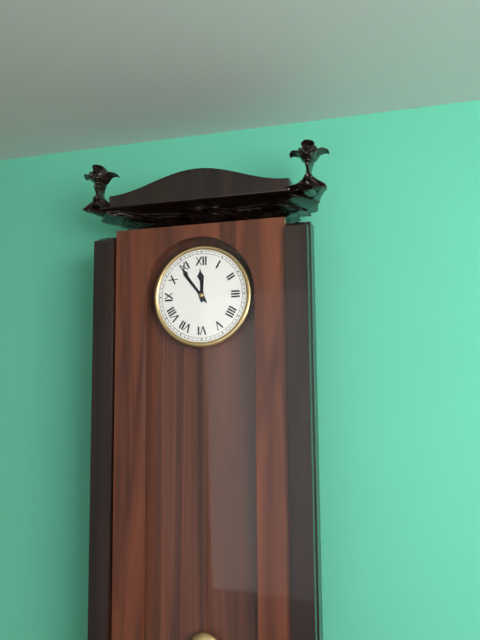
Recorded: h=11 m=54
